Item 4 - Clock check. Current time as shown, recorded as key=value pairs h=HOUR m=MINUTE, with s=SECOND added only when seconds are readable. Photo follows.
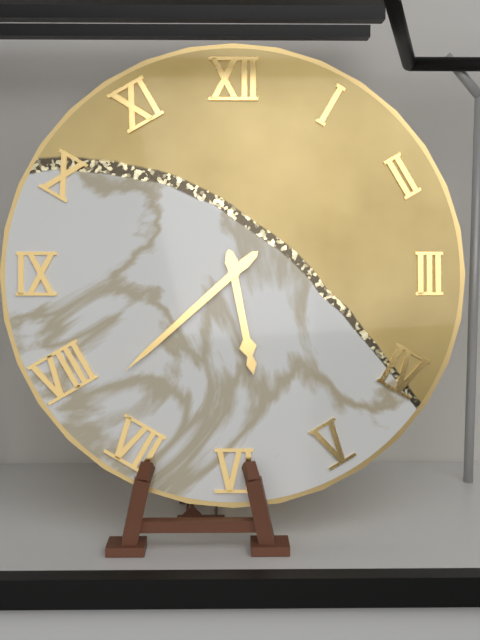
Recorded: h=5 m=38
